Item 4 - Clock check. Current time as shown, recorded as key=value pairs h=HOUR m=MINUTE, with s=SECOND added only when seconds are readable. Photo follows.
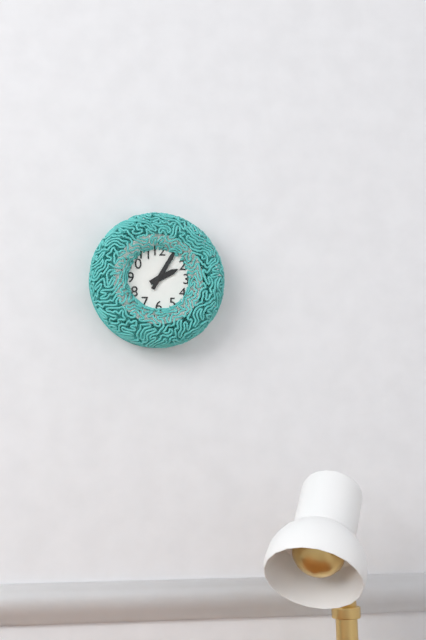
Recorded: h=2 m=5
